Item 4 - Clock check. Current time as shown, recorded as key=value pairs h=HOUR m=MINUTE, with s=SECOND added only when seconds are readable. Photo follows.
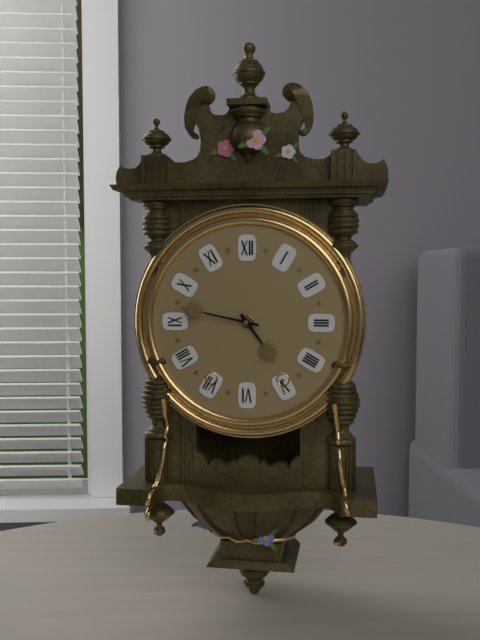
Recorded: h=4 m=47
